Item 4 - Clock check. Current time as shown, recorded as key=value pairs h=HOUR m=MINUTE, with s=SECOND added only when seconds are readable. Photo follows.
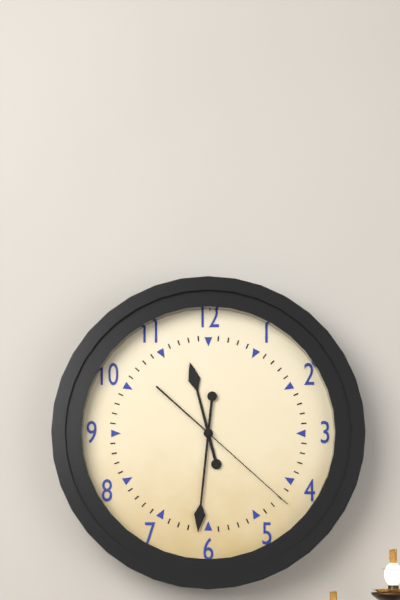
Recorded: h=11 m=31 s=22
